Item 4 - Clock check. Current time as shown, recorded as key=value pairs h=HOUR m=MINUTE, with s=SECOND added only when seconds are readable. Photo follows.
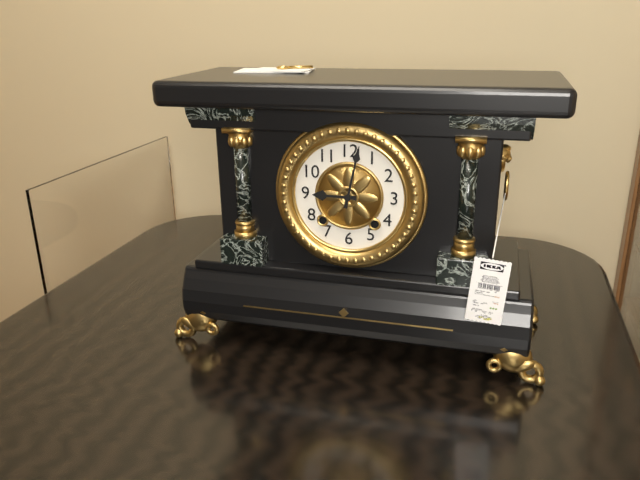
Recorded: h=9 m=2
